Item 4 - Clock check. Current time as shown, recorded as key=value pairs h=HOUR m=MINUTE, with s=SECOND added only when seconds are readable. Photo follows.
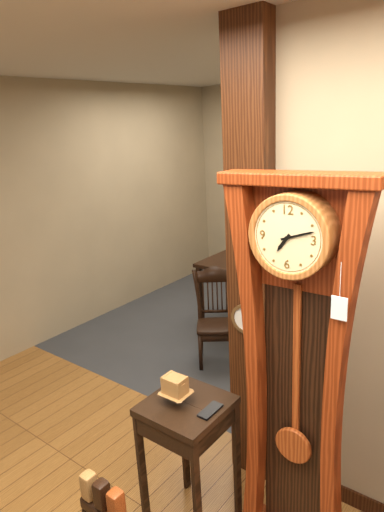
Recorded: h=7 m=12
